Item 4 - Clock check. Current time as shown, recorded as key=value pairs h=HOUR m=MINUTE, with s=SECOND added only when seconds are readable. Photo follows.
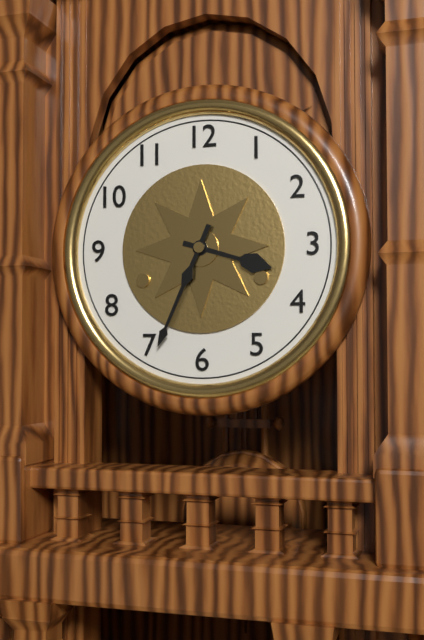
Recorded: h=3 m=34
